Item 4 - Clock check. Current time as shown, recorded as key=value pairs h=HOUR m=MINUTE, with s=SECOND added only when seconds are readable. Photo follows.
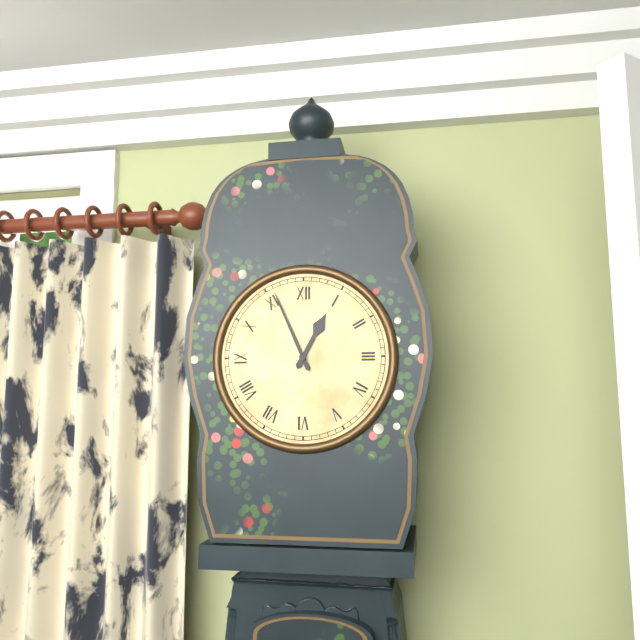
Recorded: h=12 m=56
